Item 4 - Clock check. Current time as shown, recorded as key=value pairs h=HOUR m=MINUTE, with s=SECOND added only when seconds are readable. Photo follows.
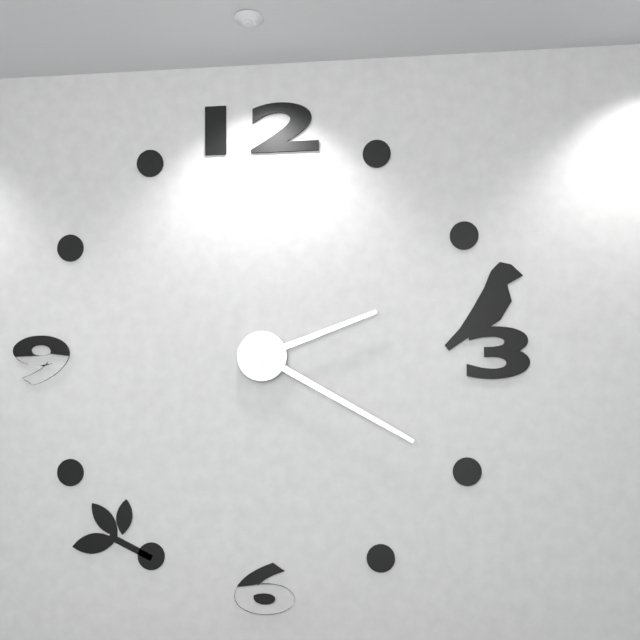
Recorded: h=2 m=20
